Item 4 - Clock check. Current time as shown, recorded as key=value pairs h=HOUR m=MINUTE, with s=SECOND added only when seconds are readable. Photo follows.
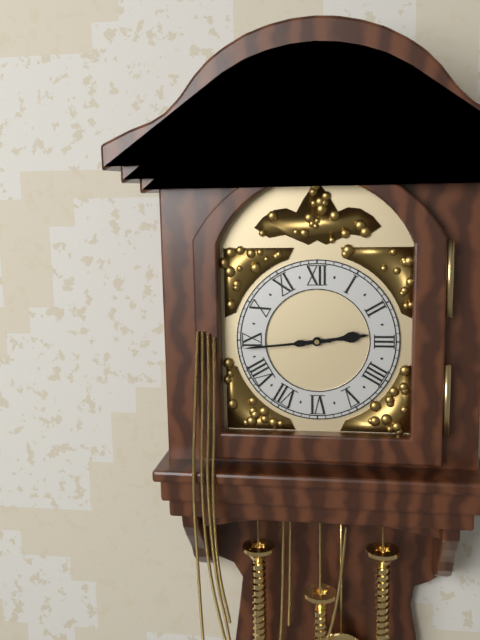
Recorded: h=2 m=44
